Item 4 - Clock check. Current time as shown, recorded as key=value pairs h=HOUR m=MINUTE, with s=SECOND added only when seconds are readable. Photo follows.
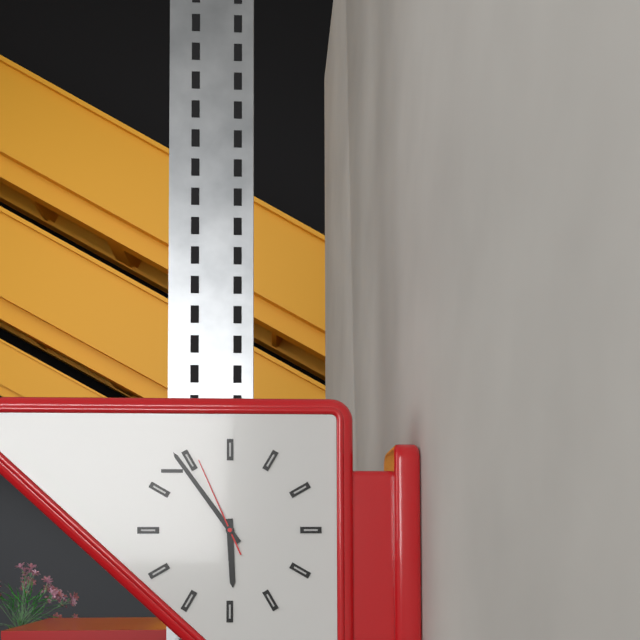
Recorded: h=5 m=54 s=56
